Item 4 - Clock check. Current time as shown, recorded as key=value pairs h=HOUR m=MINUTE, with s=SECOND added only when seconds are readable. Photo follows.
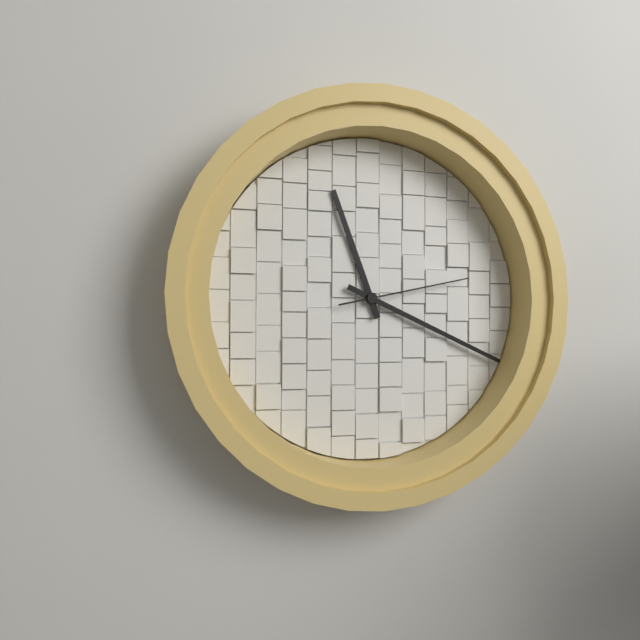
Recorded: h=11 m=19 s=13
